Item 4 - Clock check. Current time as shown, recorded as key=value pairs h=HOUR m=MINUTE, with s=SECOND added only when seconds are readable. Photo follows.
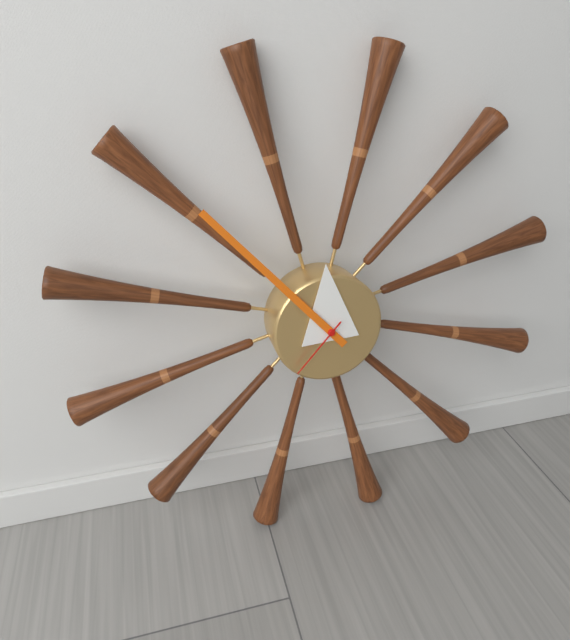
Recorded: h=11 m=53 s=37
